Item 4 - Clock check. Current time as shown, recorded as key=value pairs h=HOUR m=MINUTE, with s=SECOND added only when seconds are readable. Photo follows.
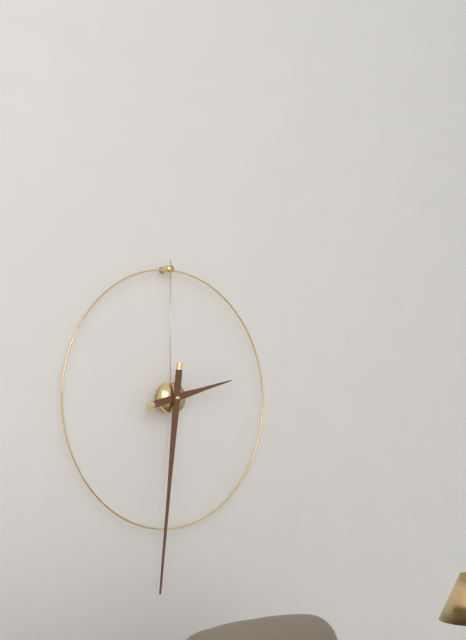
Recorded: h=2 m=31
